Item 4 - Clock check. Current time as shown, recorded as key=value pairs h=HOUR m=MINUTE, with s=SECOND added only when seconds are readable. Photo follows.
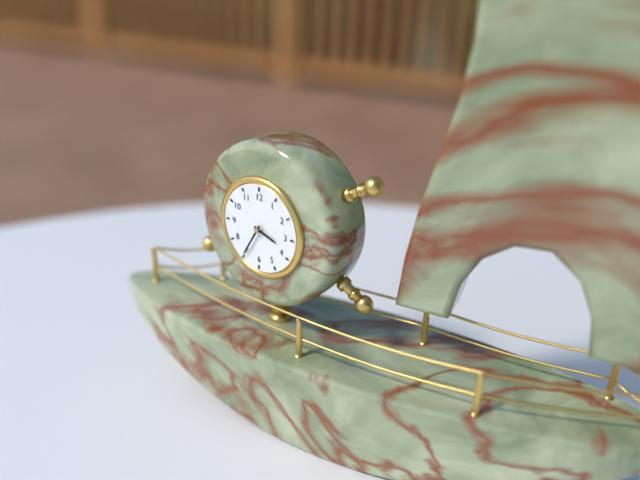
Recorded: h=3 m=35
